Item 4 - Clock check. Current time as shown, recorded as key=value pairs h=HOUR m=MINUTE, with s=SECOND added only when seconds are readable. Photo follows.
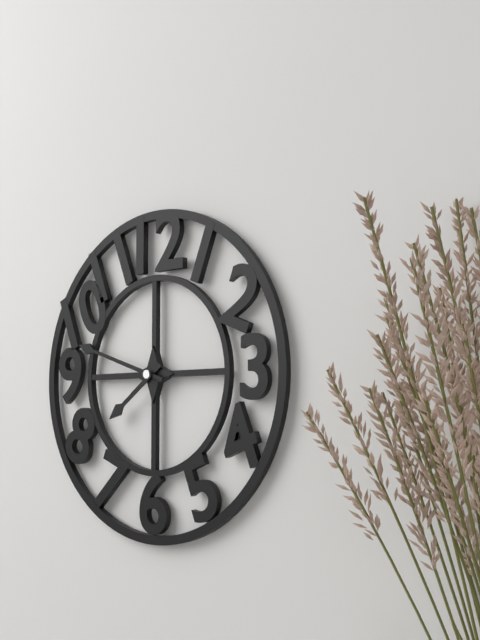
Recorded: h=7 m=48
